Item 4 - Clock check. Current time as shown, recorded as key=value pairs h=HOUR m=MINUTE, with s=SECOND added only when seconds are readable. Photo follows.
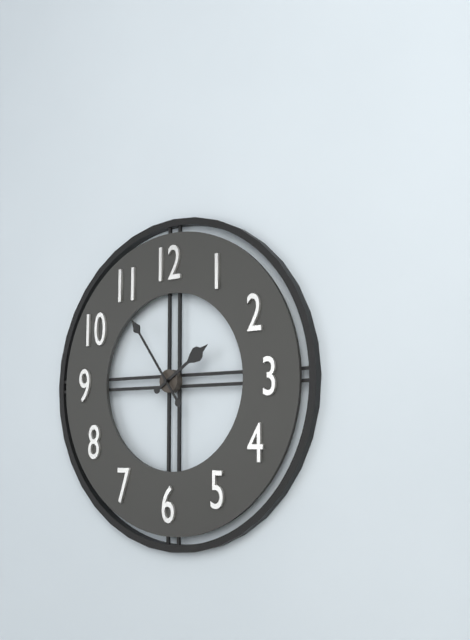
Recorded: h=1 m=54
